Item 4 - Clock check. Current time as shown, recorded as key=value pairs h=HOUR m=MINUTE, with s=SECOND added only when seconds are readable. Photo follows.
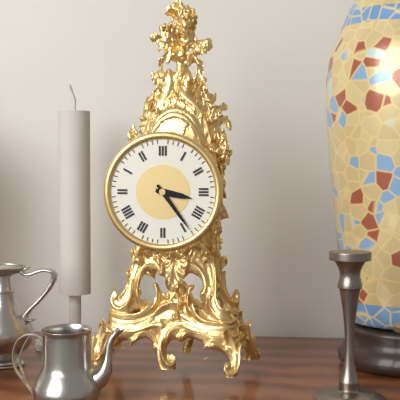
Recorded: h=3 m=24
